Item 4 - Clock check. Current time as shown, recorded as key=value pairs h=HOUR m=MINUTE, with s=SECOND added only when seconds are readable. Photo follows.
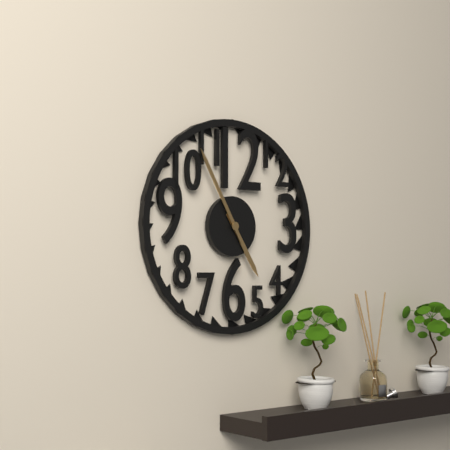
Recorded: h=4 m=55
